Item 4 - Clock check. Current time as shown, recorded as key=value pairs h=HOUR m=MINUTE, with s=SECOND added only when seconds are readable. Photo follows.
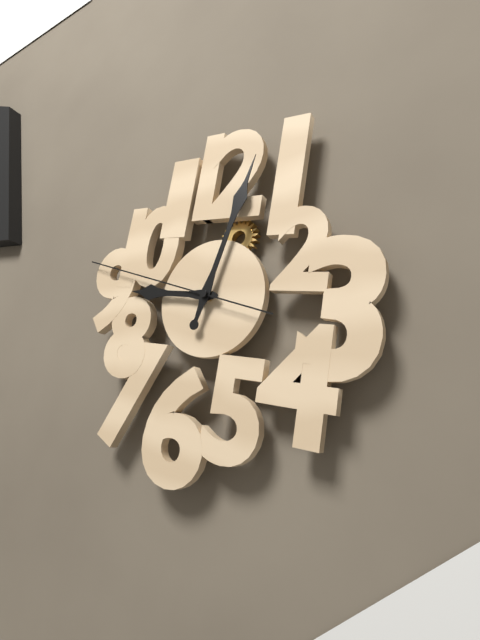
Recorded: h=9 m=2 s=47
